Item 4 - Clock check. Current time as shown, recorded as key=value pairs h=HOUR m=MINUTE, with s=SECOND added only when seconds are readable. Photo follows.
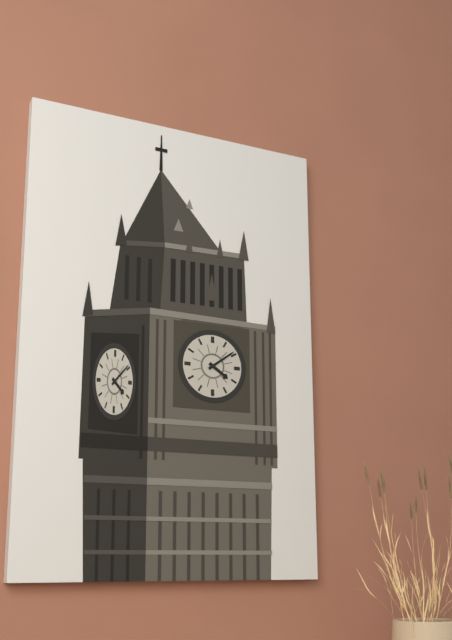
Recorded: h=4 m=9
